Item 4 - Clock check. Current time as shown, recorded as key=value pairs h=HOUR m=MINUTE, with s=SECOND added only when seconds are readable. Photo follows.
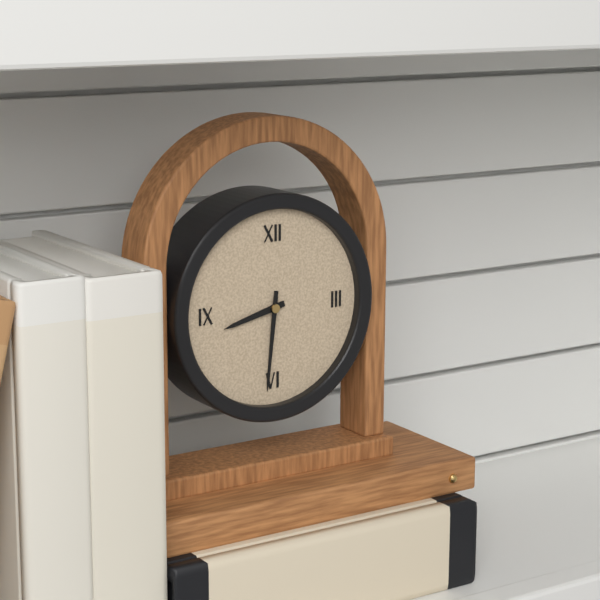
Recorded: h=8 m=31
